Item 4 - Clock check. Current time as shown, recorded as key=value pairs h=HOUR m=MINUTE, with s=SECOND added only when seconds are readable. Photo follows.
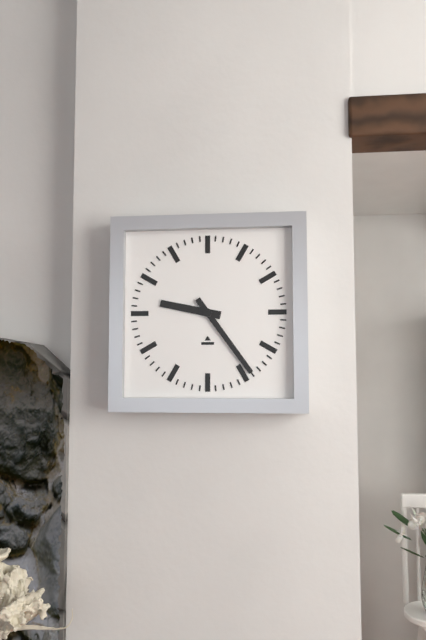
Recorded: h=9 m=24
